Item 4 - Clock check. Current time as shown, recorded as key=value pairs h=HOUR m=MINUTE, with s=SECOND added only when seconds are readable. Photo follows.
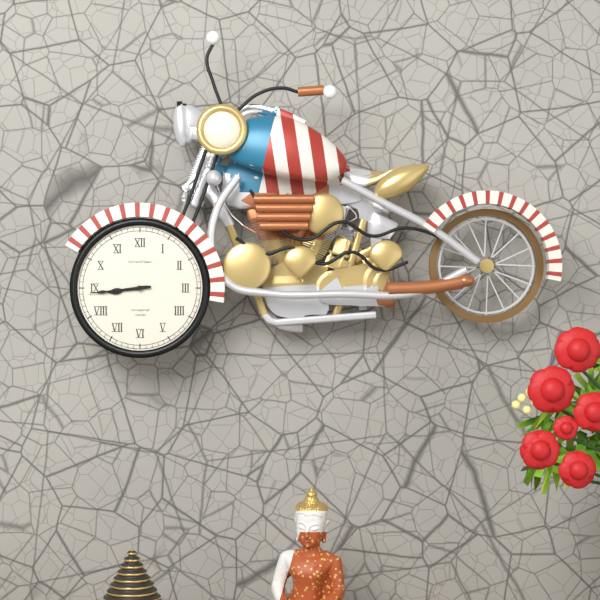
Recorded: h=8 m=44
